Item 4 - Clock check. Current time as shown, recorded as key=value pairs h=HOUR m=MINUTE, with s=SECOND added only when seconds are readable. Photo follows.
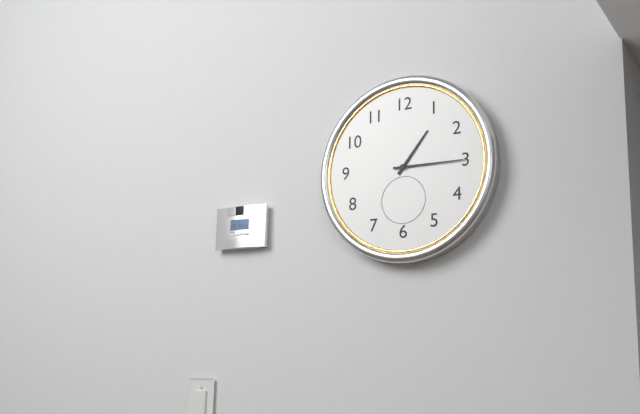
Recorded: h=1 m=15
